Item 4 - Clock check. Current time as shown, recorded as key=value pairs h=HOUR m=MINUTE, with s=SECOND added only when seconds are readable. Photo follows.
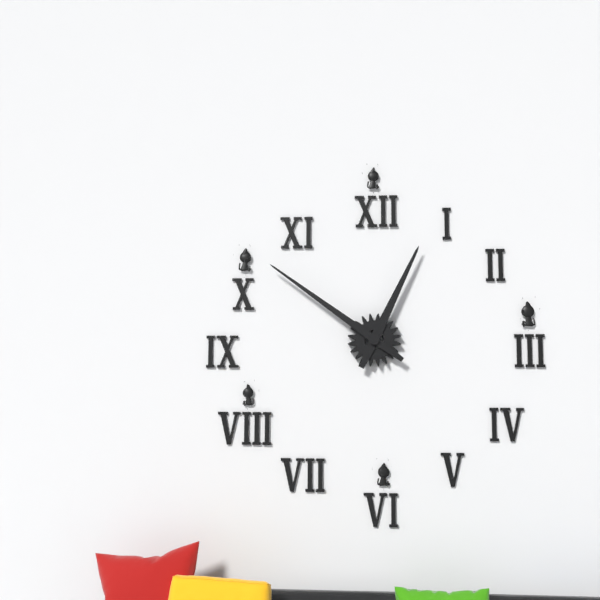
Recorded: h=12 m=51
